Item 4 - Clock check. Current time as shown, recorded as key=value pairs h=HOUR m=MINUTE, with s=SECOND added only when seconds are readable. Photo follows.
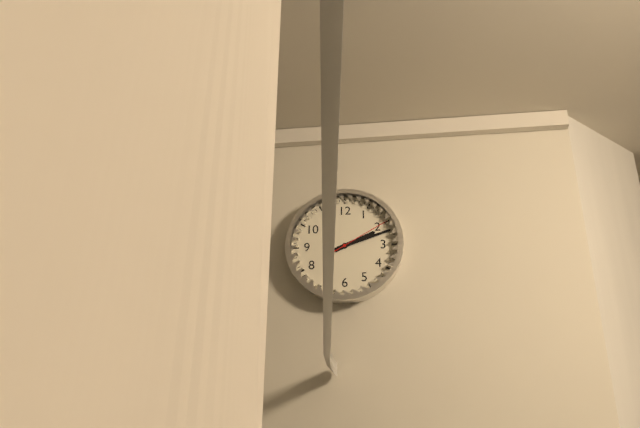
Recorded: h=2 m=12 s=10
